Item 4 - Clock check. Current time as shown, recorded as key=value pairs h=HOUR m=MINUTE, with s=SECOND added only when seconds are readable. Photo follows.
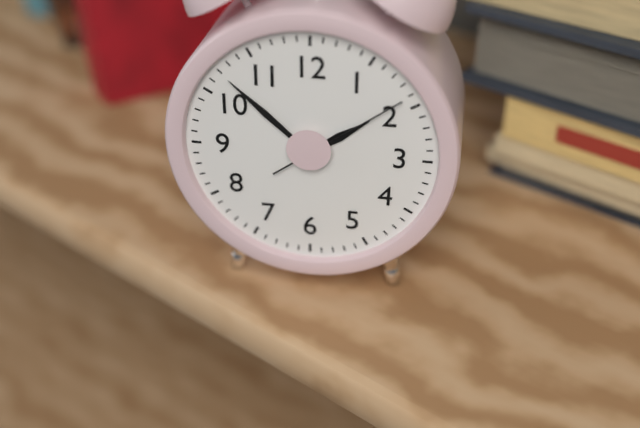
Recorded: h=1 m=52 s=9
